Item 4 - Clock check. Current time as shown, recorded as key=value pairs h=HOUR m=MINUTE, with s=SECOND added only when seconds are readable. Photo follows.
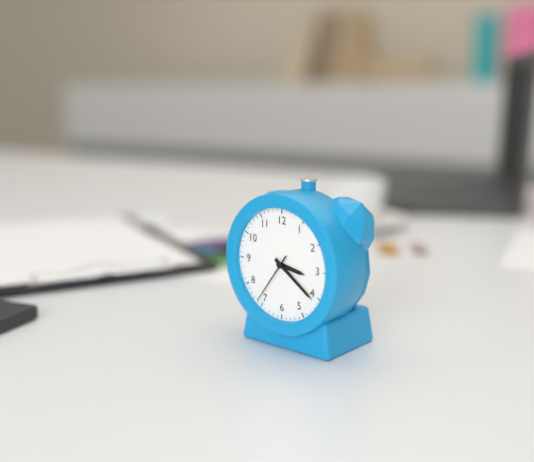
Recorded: h=3 m=21 s=36
